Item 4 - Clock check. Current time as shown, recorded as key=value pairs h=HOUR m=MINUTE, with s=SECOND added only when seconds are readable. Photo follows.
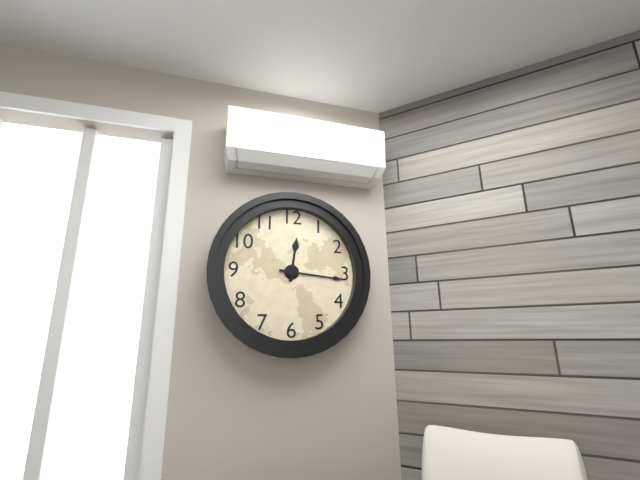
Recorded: h=12 m=16
